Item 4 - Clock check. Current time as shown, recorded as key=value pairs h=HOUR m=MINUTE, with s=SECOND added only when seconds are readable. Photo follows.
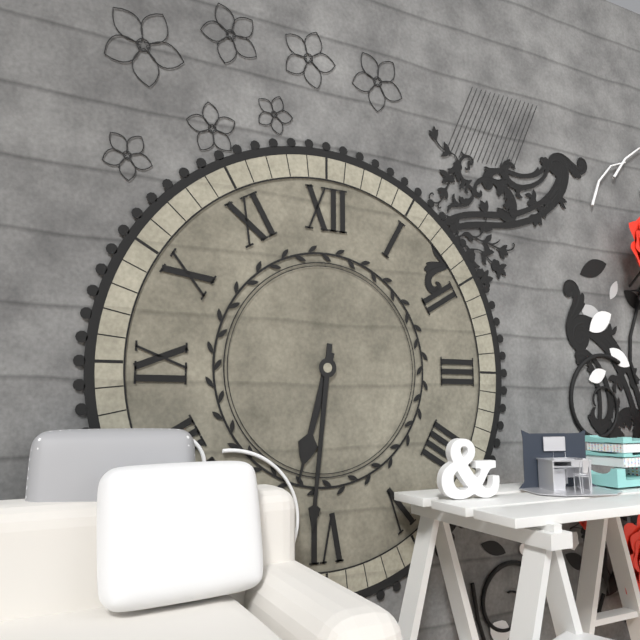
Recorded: h=6 m=31
